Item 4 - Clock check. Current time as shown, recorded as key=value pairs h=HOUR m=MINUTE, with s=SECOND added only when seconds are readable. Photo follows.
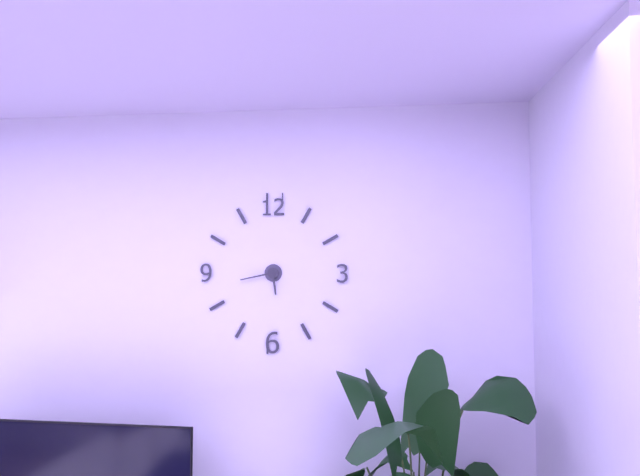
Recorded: h=5 m=43
